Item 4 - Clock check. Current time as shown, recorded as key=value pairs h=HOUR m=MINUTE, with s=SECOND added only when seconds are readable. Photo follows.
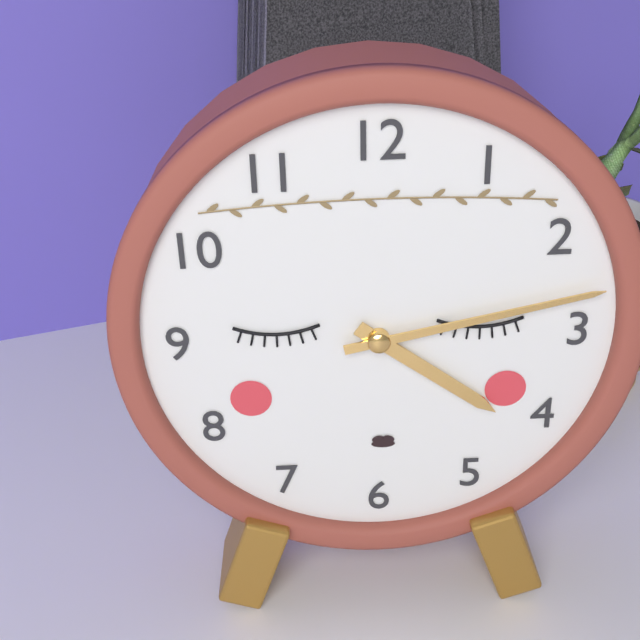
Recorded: h=4 m=13
